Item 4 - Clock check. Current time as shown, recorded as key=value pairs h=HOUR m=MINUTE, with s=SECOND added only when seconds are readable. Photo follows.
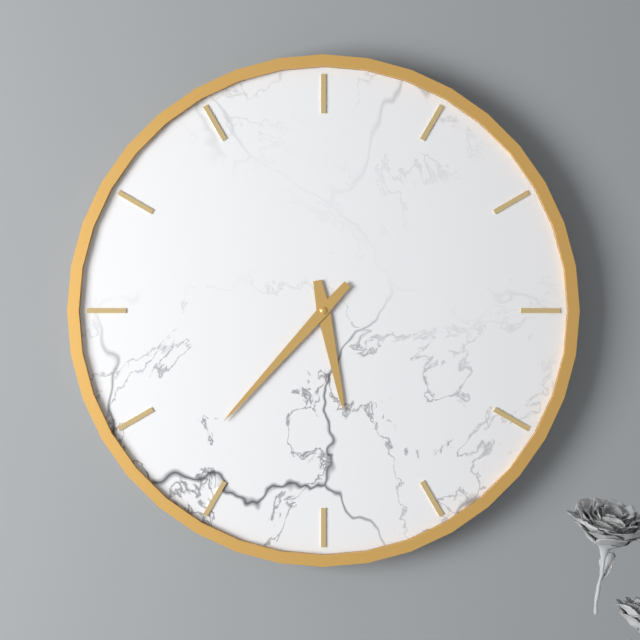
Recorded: h=5 m=37
